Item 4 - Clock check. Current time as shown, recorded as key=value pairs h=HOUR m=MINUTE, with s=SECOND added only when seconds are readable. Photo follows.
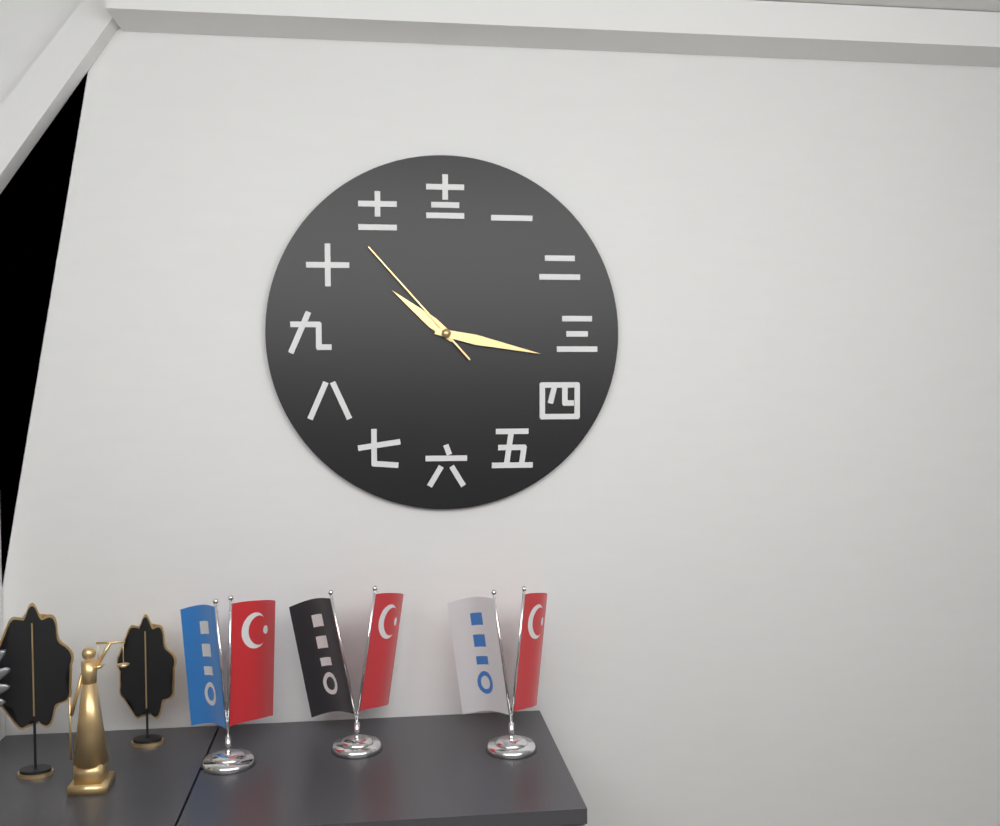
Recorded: h=10 m=17 s=53
